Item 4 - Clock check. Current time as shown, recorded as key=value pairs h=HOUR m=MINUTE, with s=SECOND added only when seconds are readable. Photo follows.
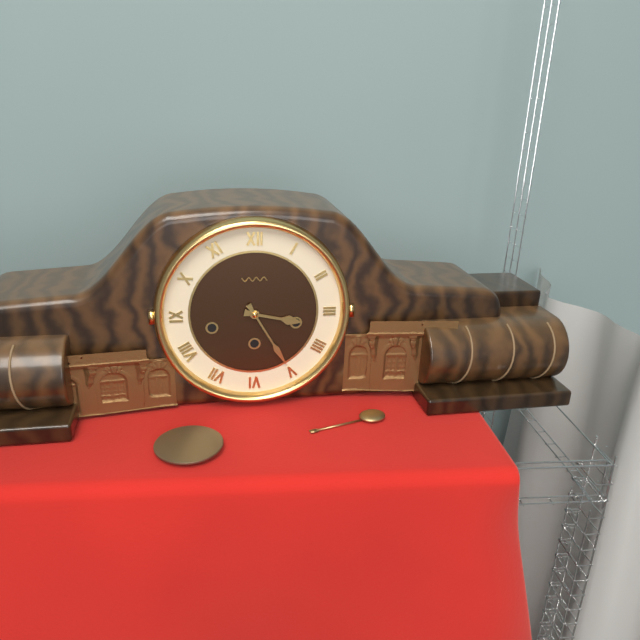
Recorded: h=3 m=25
